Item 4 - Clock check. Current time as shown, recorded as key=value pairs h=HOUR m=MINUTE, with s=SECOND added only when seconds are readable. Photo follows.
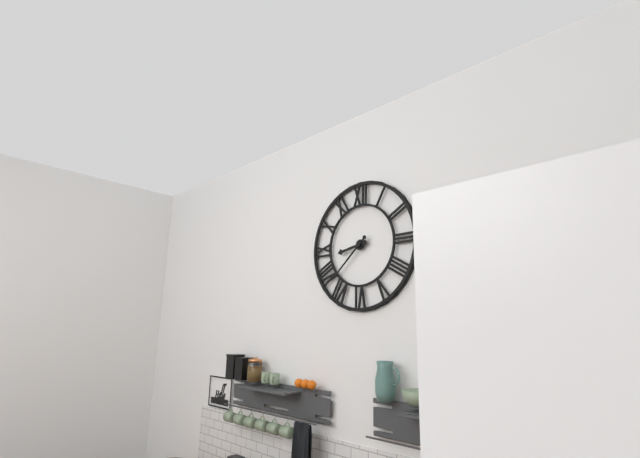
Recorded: h=8 m=38
